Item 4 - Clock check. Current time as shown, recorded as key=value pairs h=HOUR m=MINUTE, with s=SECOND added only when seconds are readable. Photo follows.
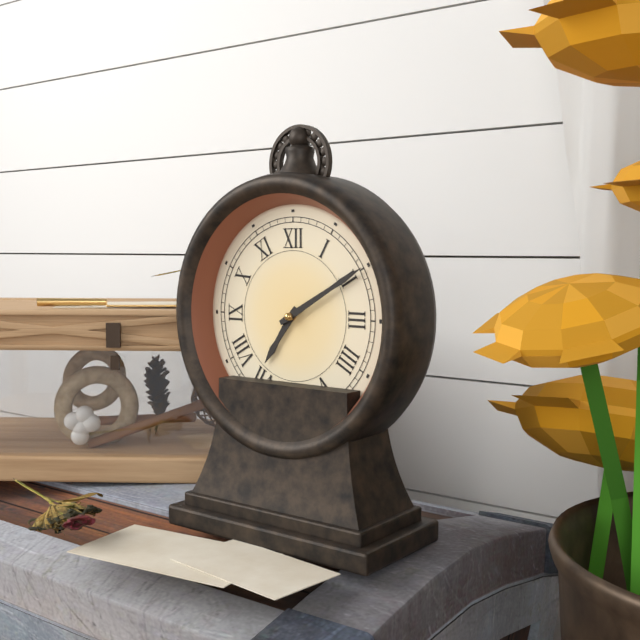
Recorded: h=7 m=10
